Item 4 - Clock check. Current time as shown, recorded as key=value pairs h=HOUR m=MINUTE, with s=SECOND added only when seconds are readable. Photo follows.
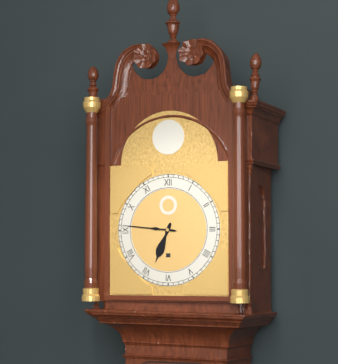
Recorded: h=6 m=46
